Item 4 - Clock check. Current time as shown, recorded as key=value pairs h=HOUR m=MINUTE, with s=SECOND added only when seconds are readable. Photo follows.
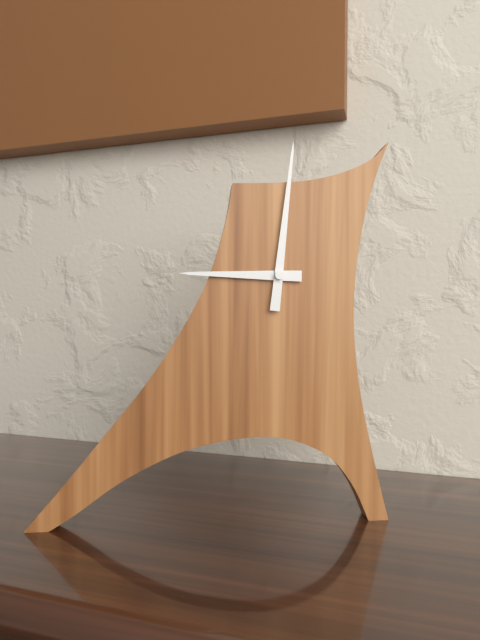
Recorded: h=9 m=1
